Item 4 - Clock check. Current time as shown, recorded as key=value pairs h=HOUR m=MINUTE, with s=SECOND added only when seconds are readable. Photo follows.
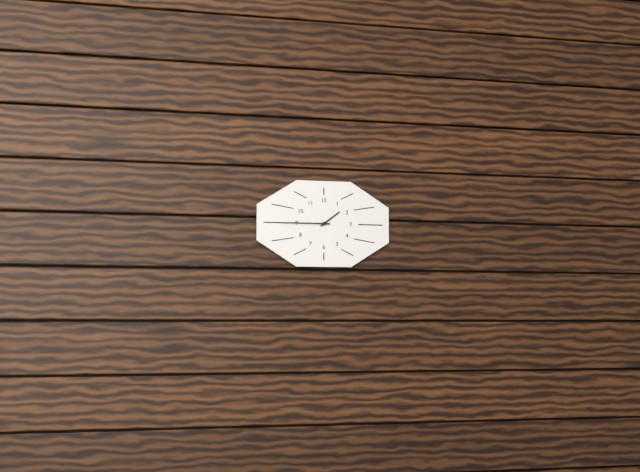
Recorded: h=1 m=45
